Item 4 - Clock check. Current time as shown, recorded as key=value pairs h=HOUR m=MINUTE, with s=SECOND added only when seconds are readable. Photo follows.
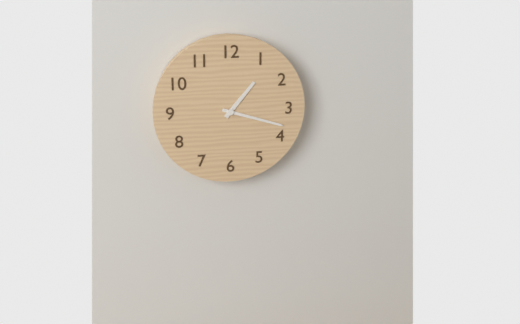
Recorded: h=1 m=18
